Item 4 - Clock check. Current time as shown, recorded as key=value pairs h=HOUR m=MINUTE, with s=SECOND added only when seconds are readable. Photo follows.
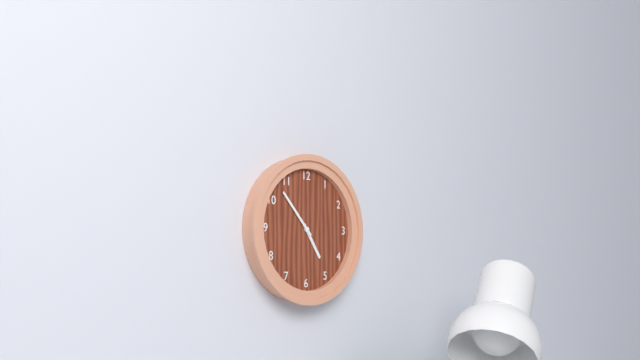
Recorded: h=4 m=53
